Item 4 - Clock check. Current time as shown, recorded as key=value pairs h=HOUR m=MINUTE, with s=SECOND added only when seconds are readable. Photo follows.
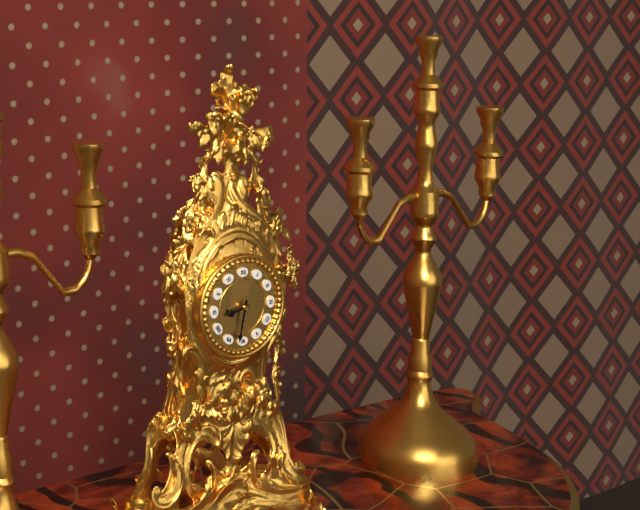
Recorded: h=8 m=32
